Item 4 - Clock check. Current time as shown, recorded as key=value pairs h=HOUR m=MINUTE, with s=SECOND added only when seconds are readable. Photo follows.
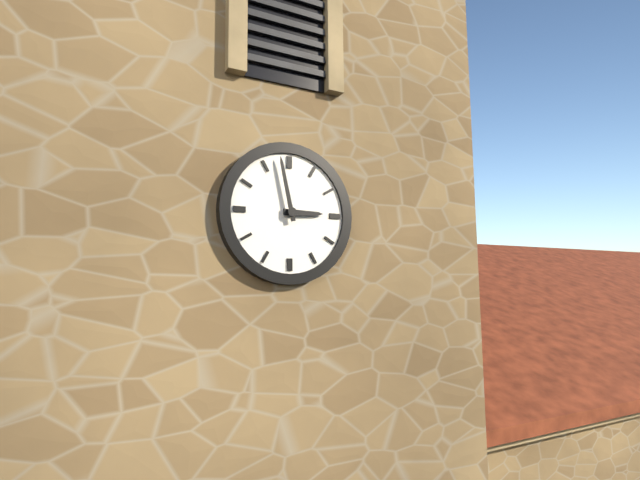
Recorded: h=2 m=58
